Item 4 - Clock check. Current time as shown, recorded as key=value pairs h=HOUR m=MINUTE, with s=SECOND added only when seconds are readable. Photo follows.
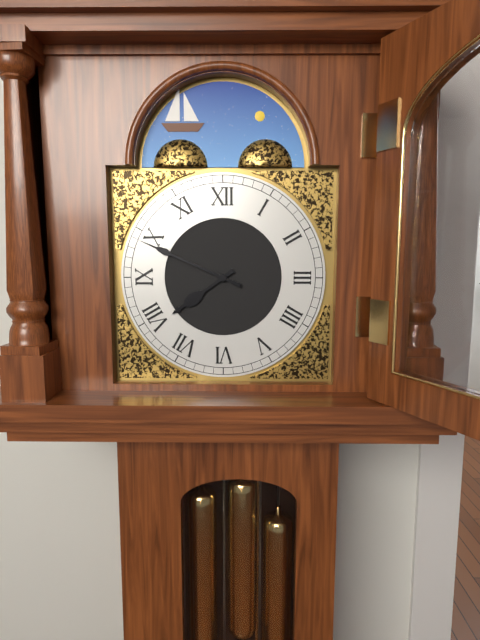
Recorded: h=7 m=49
